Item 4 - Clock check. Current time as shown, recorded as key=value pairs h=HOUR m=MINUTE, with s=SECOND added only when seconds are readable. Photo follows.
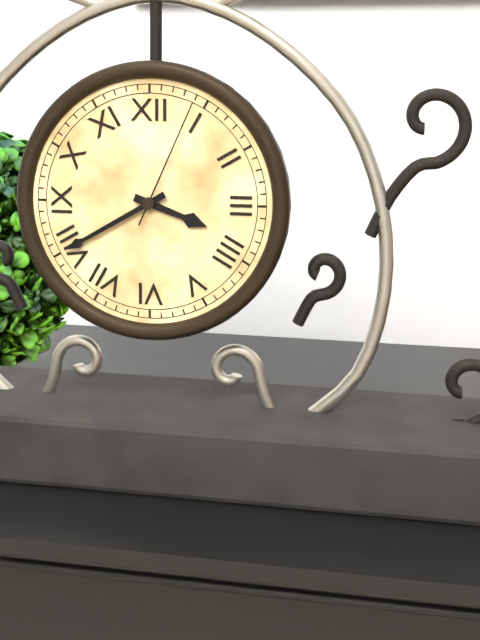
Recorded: h=3 m=40 s=4
